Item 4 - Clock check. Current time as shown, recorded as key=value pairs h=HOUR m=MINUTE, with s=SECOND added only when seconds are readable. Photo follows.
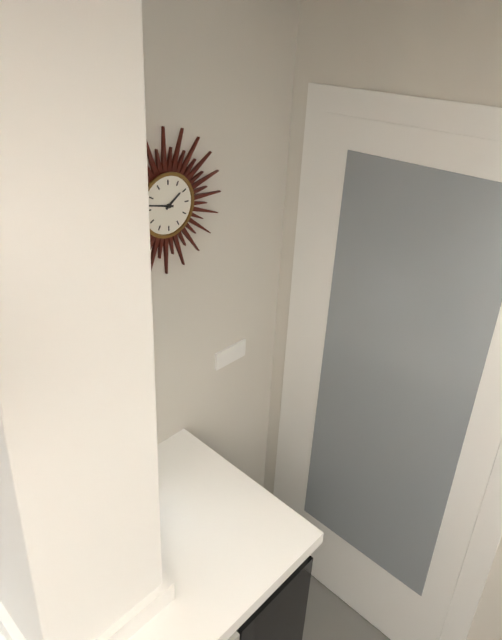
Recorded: h=1 m=47
